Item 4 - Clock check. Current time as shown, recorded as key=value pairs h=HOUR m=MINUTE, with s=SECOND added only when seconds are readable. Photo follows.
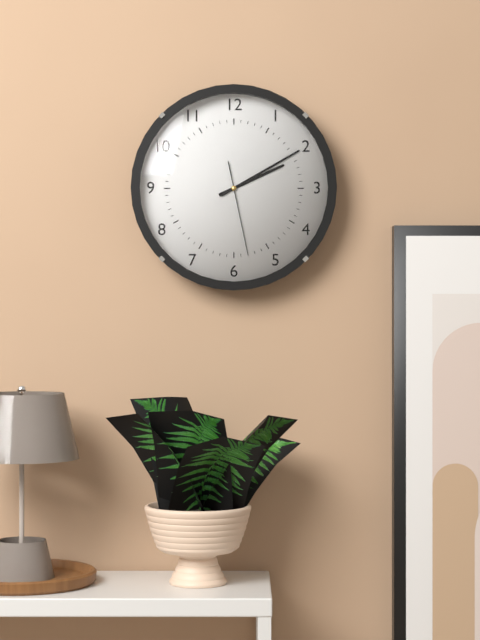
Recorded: h=2 m=10 s=28
